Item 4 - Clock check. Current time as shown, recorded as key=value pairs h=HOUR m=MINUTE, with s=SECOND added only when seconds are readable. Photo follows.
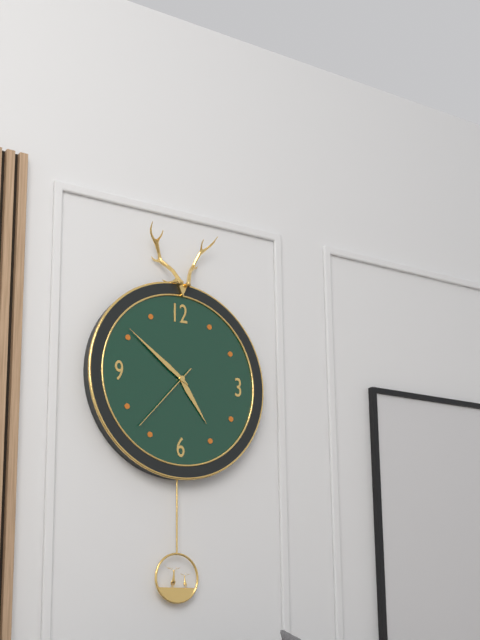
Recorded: h=4 m=51 s=37
